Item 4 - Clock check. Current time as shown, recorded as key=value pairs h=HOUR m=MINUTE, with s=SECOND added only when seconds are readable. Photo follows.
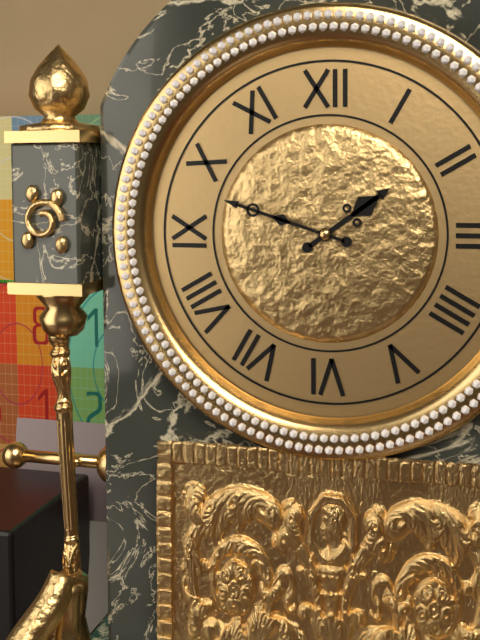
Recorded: h=1 m=48
